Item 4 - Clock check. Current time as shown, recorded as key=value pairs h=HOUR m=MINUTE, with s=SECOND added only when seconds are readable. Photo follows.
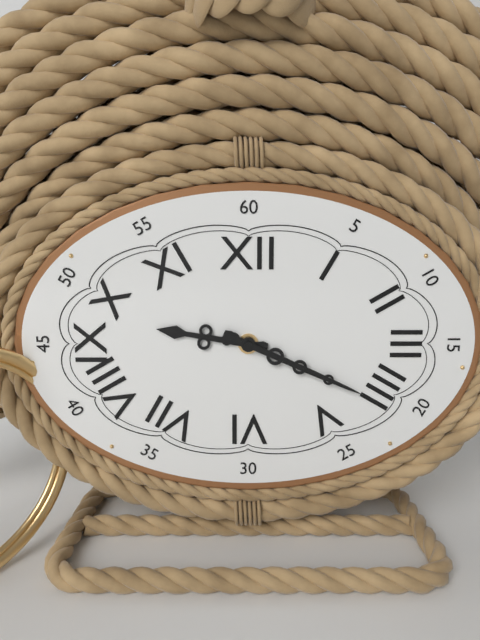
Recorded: h=9 m=19
